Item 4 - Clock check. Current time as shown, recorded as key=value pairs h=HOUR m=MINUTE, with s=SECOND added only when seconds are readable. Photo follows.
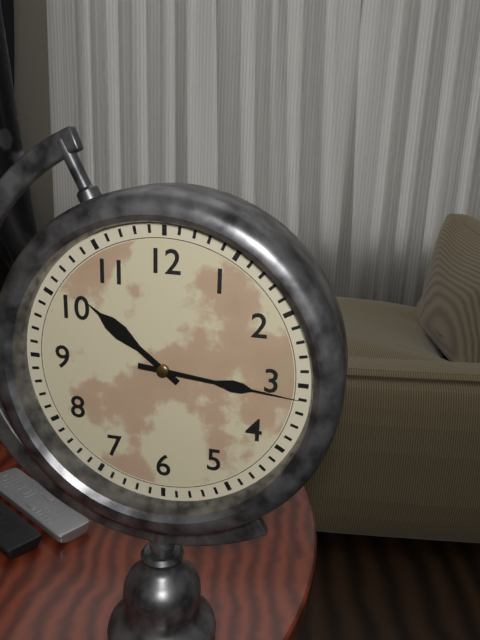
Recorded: h=10 m=16
